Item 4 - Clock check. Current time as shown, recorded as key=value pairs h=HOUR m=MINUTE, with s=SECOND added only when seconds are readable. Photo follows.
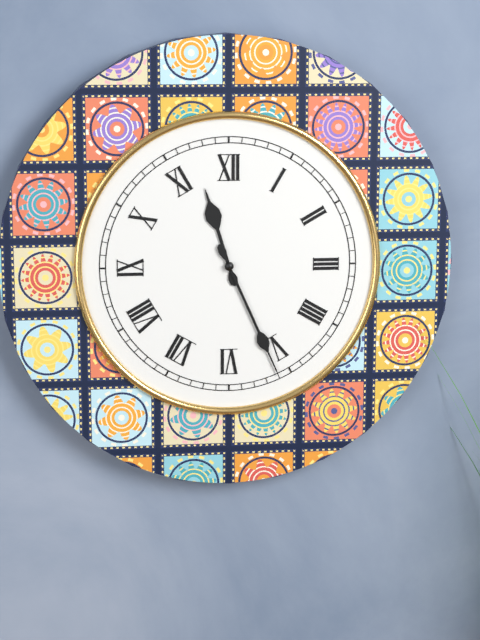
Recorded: h=11 m=26
